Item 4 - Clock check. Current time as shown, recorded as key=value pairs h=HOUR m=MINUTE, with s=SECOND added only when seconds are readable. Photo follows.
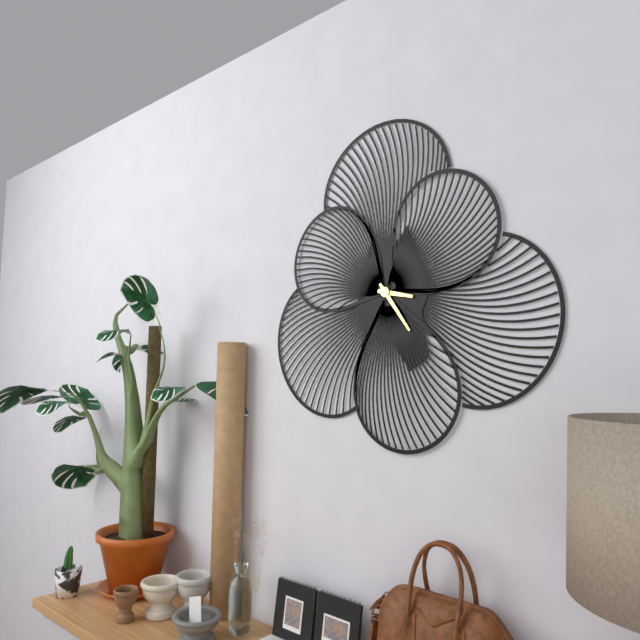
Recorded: h=3 m=24
